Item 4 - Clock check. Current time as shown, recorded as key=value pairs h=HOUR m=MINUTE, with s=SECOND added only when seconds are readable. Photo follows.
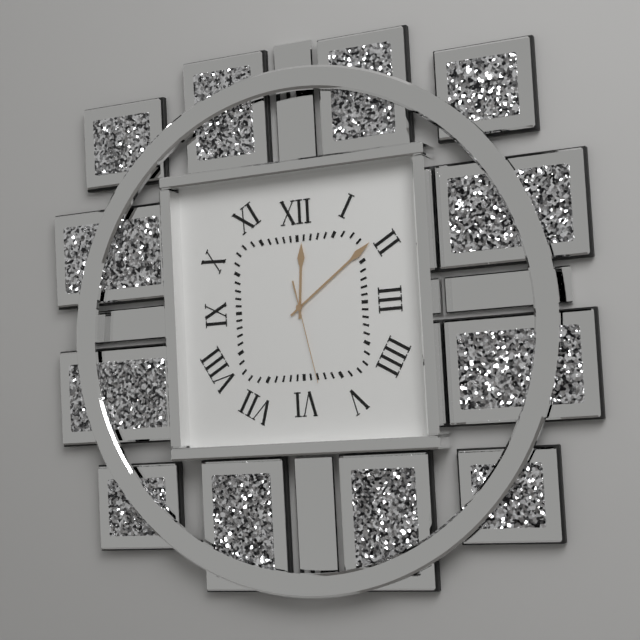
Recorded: h=12 m=9 s=28
